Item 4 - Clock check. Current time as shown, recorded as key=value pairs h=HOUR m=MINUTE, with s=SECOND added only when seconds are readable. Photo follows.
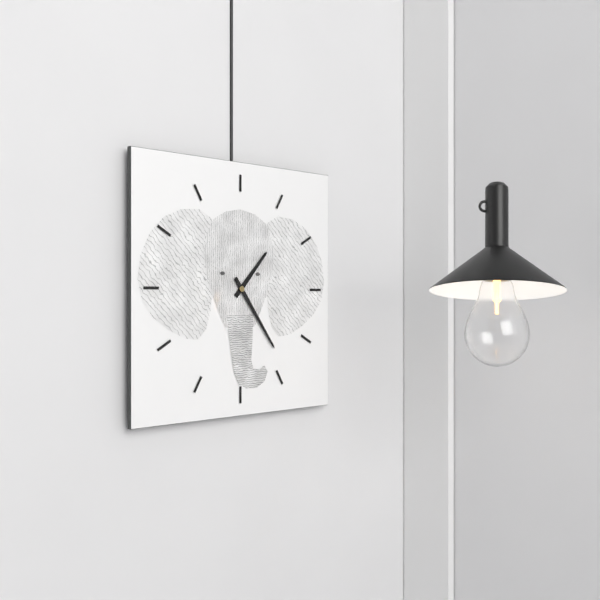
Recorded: h=1 m=24
